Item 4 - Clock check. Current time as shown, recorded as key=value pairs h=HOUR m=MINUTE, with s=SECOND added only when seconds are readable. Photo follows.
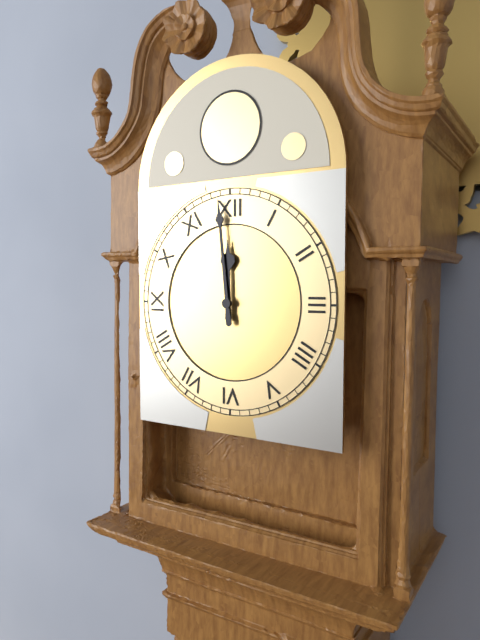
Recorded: h=11 m=59
